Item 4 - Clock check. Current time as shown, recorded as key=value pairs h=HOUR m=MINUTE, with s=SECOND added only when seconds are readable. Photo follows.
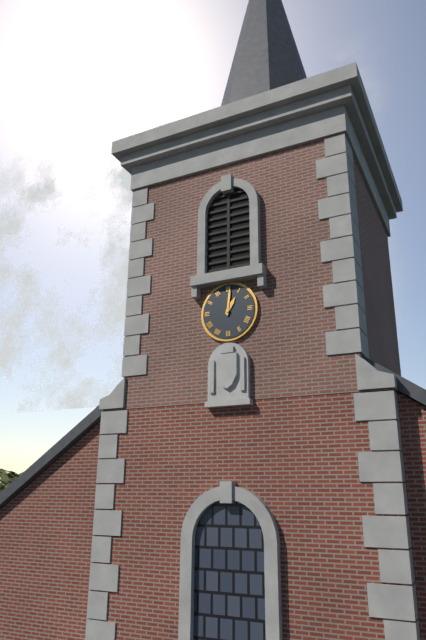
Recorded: h=1 m=1
